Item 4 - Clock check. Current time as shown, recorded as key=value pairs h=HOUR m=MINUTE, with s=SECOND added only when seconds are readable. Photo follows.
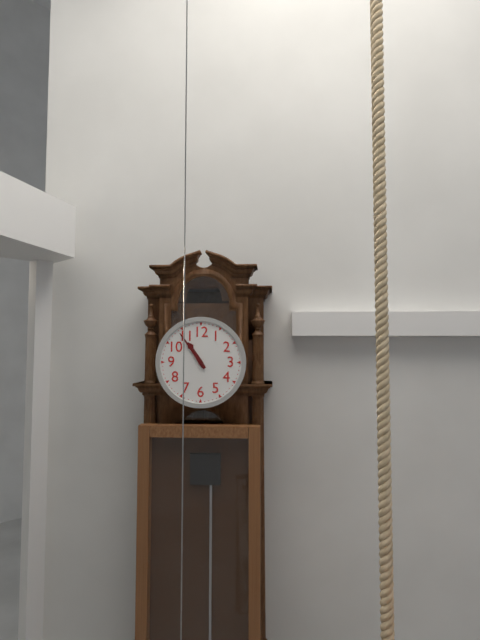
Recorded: h=10 m=54
